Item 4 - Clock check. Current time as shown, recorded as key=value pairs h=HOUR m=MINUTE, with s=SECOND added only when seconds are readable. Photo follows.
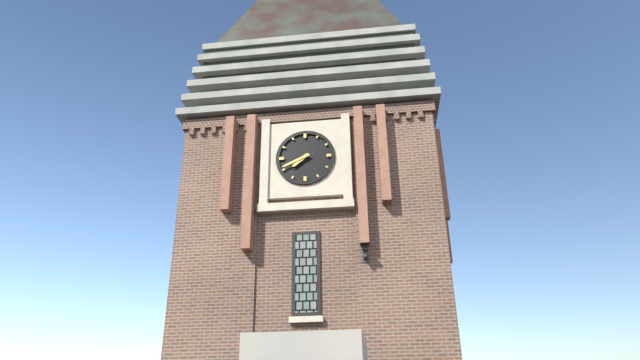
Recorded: h=7 m=41
